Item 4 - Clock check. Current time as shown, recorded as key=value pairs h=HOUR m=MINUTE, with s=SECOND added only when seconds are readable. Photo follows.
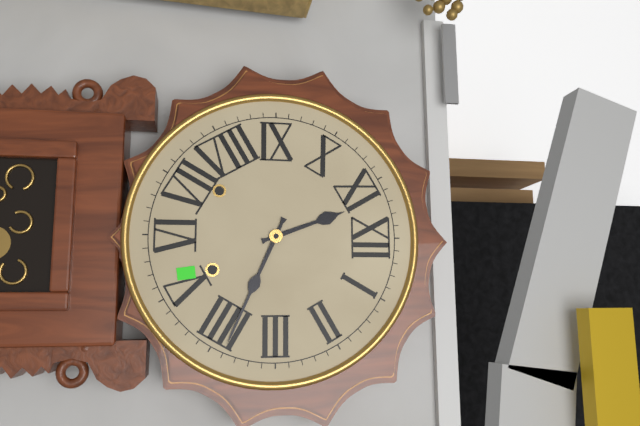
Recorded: h=11 m=19
